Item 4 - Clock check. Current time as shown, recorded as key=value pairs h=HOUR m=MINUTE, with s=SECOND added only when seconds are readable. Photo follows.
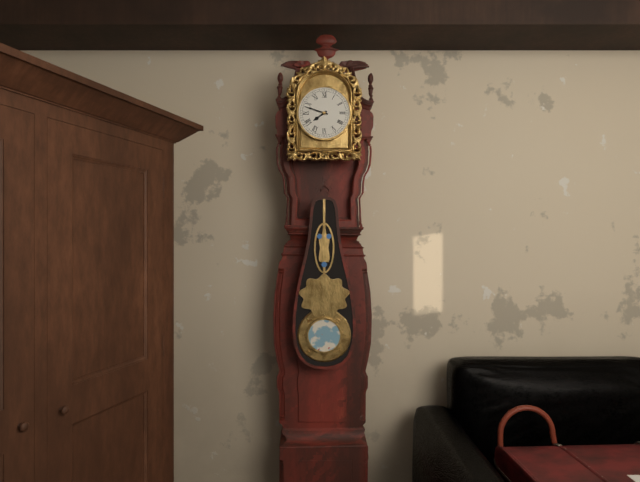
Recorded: h=7 m=48
